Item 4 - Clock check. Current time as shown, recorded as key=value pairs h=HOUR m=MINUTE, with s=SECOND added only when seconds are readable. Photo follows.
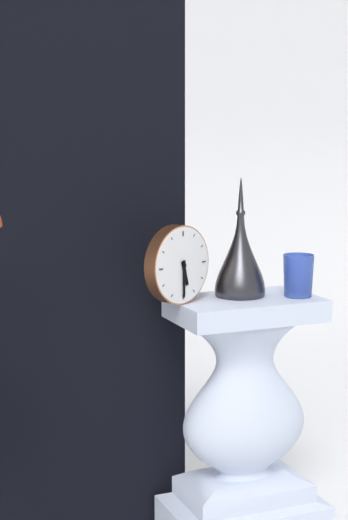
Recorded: h=5 m=30
